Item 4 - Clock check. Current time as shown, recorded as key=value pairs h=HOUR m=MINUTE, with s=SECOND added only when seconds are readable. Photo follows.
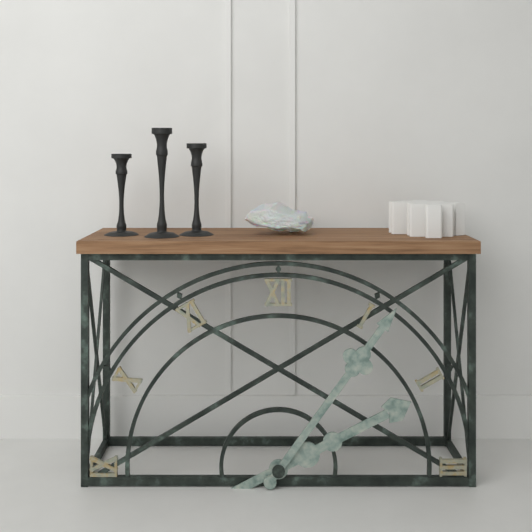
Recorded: h=2 m=6
